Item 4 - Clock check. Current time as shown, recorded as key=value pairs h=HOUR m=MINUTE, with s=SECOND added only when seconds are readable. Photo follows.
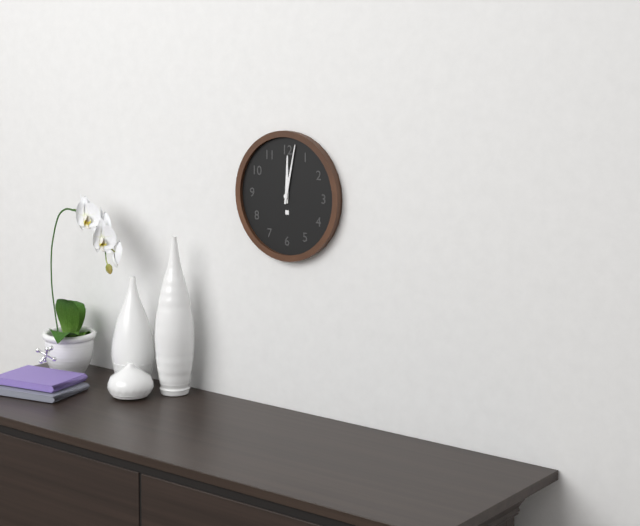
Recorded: h=12 m=2
